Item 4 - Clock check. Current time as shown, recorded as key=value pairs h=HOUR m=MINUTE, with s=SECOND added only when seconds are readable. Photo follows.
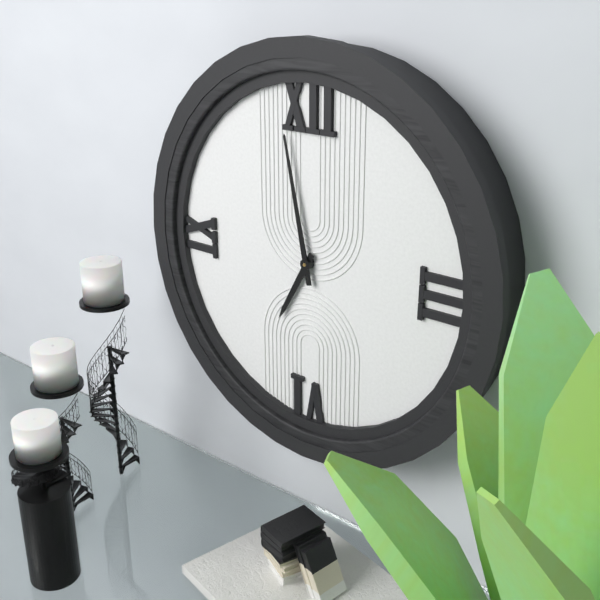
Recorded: h=6 m=58
